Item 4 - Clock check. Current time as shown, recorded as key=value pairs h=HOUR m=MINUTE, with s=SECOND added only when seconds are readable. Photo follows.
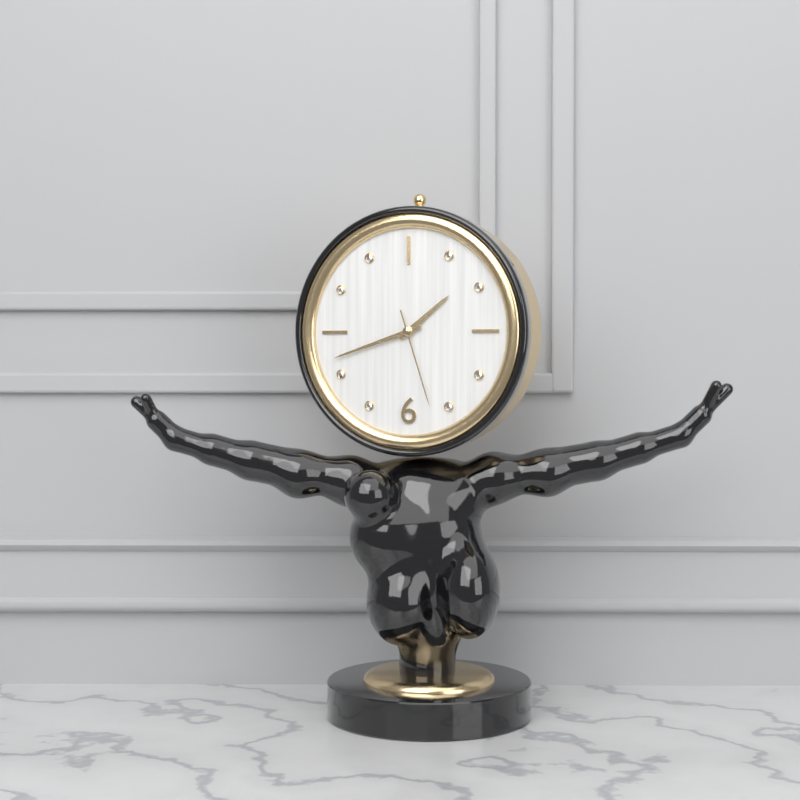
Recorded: h=1 m=42 s=27
